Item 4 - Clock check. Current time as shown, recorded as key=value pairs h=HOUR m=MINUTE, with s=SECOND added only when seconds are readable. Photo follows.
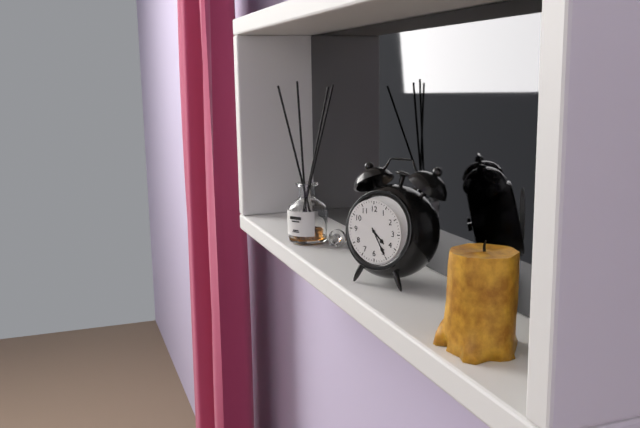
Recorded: h=4 m=25
